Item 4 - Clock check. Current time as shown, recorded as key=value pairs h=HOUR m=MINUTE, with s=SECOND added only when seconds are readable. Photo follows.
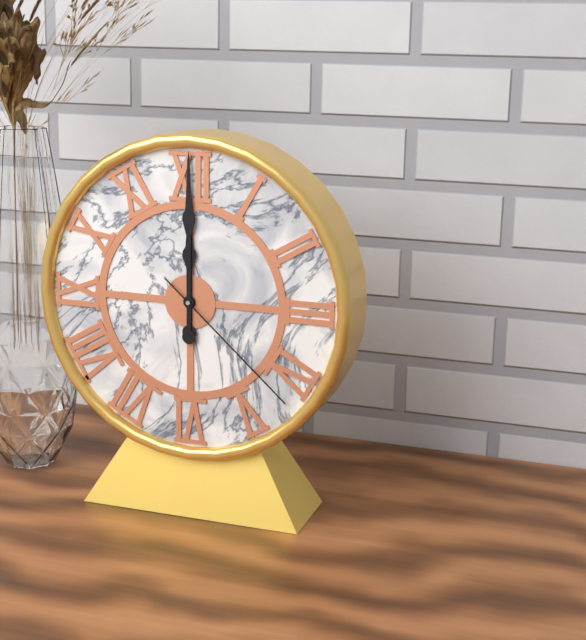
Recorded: h=12 m=0 s=22
